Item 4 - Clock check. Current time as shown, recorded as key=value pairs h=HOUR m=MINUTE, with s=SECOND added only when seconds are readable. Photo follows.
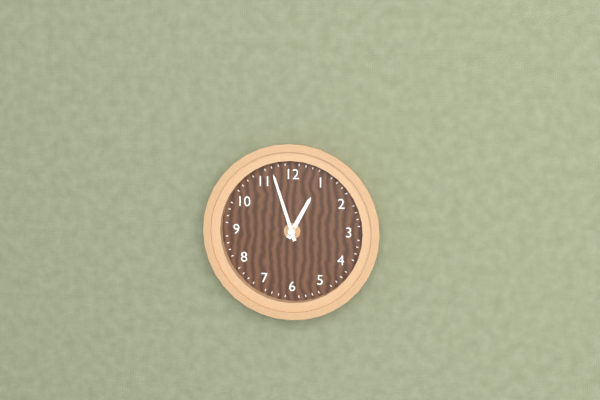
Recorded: h=12 m=57
